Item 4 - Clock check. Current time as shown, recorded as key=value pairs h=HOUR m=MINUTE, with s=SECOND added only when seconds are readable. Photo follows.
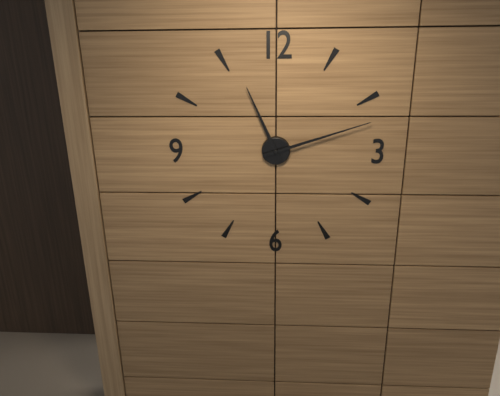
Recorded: h=11 m=12
